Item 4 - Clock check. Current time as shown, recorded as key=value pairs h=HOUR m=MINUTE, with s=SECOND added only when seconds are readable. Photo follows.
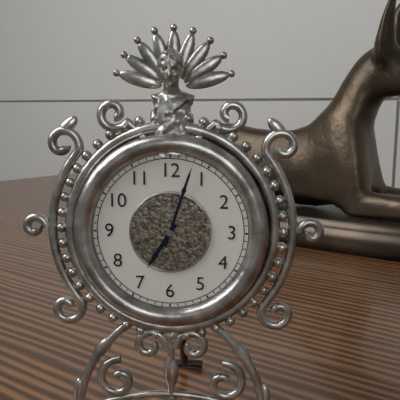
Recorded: h=7 m=3
